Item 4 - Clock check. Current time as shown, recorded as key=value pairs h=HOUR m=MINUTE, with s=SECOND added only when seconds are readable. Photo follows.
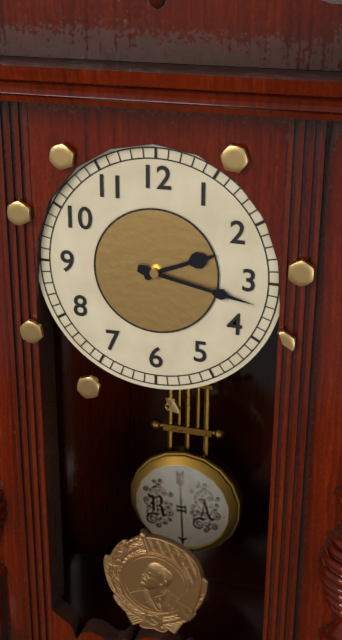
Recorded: h=2 m=17
